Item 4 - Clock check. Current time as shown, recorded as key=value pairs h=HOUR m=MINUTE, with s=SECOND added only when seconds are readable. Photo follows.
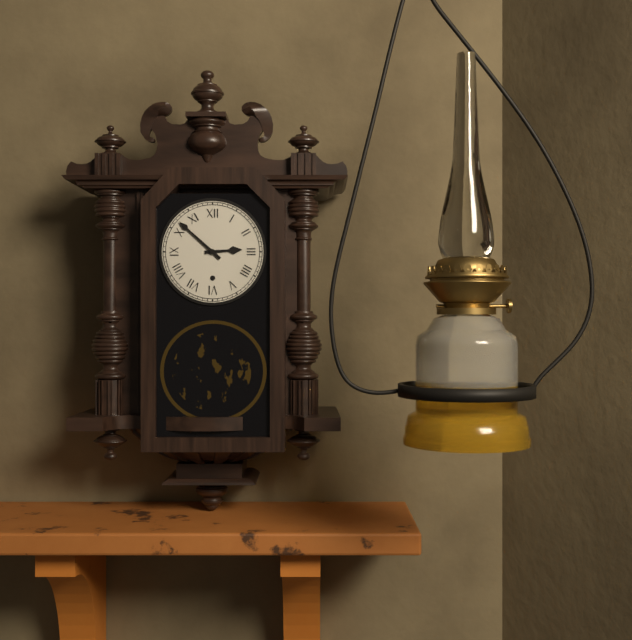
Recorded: h=2 m=52
